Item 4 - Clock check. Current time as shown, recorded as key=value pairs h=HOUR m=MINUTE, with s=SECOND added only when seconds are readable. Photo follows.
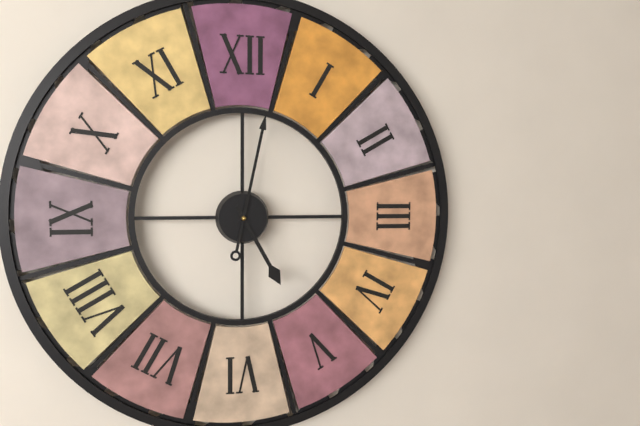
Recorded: h=5 m=2
